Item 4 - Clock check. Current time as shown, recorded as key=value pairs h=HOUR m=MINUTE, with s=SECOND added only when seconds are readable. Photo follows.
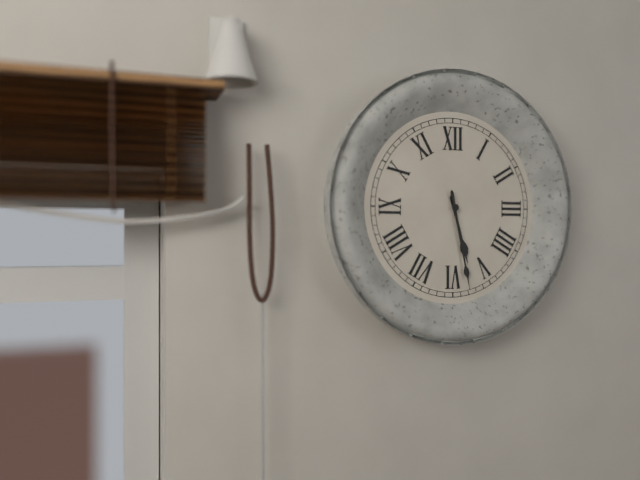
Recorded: h=5 m=28
